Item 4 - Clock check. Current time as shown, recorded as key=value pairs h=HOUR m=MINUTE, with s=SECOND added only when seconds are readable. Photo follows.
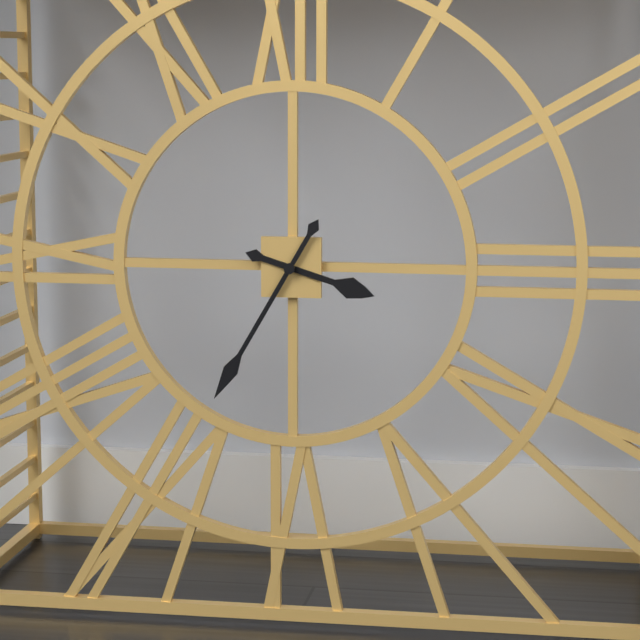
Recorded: h=3 m=35
